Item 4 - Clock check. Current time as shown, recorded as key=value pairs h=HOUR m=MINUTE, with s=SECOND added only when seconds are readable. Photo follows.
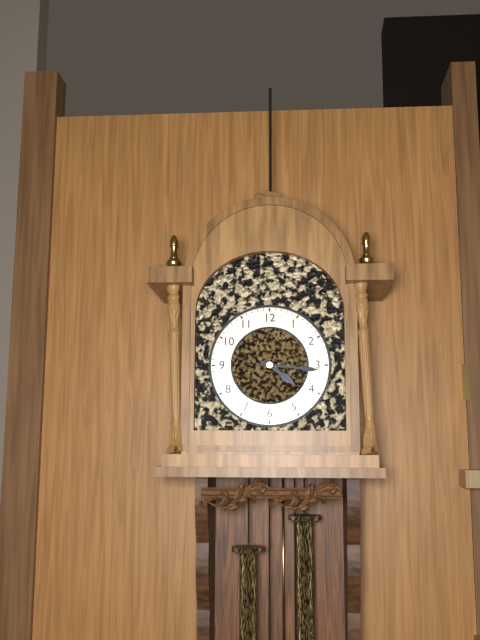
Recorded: h=4 m=16
